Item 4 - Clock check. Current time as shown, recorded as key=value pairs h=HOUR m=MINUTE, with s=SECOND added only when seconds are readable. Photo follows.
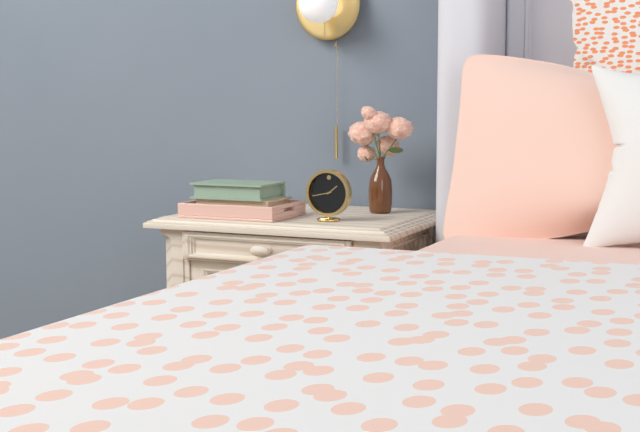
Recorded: h=1 m=43
